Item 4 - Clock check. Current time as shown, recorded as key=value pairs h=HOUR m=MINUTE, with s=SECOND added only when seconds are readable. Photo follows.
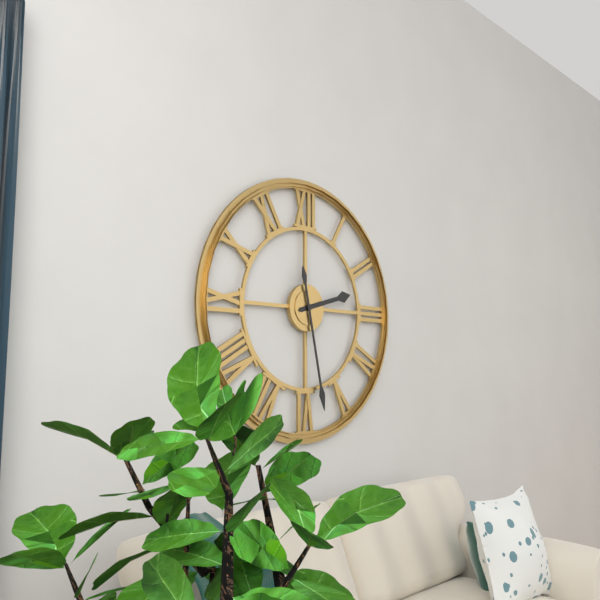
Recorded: h=2 m=28
